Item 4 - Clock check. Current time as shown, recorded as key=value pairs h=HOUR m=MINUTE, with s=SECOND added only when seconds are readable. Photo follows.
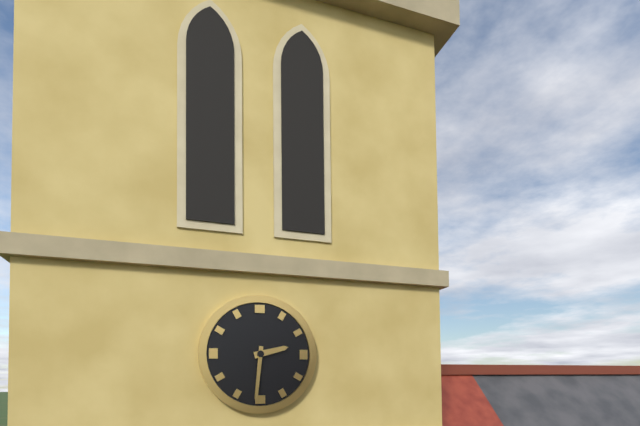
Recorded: h=2 m=31
